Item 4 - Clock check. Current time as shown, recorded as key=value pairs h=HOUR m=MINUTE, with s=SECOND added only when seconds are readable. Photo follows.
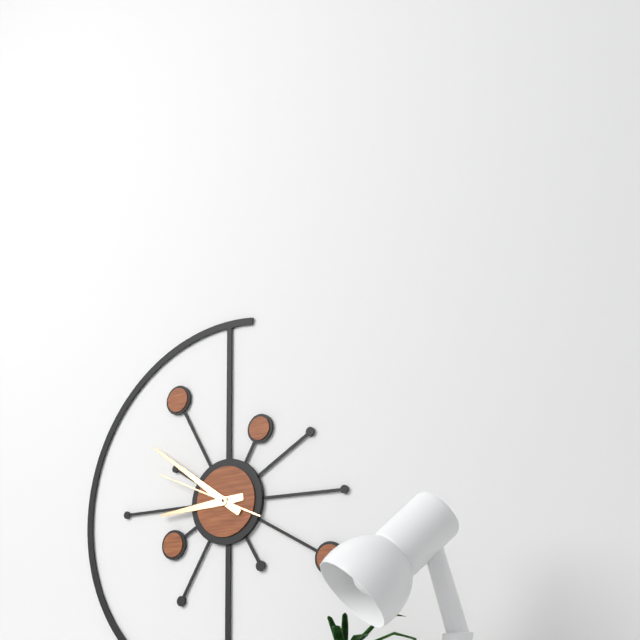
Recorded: h=8 m=51 s=49
